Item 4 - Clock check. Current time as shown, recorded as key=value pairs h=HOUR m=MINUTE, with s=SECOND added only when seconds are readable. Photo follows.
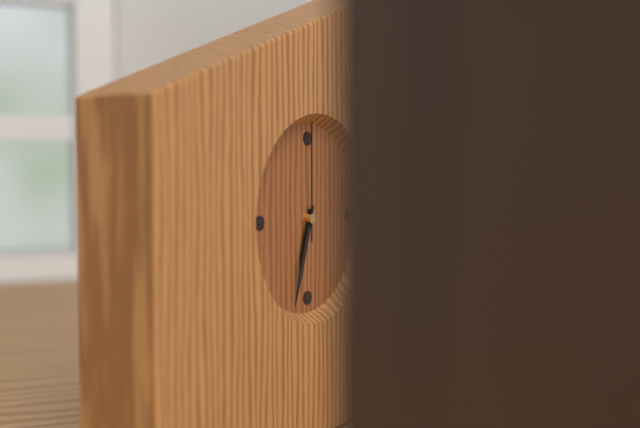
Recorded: h=6 m=33 s=0
